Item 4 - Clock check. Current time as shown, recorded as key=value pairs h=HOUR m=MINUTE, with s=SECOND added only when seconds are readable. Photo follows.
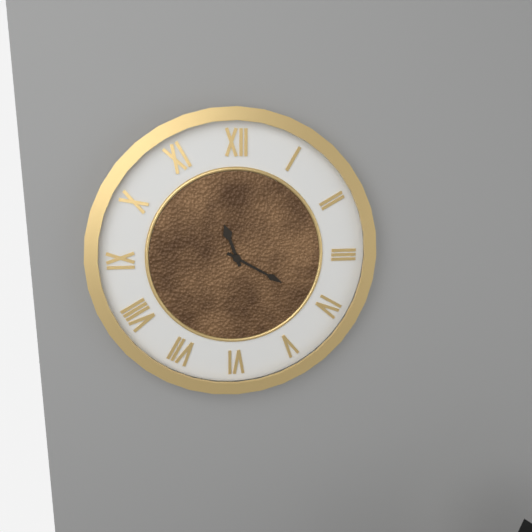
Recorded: h=11 m=20
